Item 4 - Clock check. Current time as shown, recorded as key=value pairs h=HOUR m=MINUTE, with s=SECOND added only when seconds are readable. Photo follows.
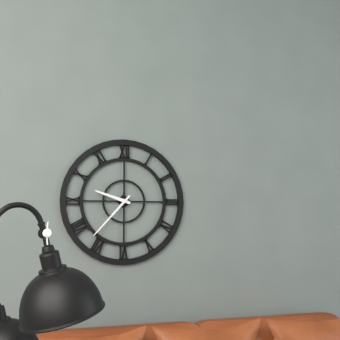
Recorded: h=9 m=37
